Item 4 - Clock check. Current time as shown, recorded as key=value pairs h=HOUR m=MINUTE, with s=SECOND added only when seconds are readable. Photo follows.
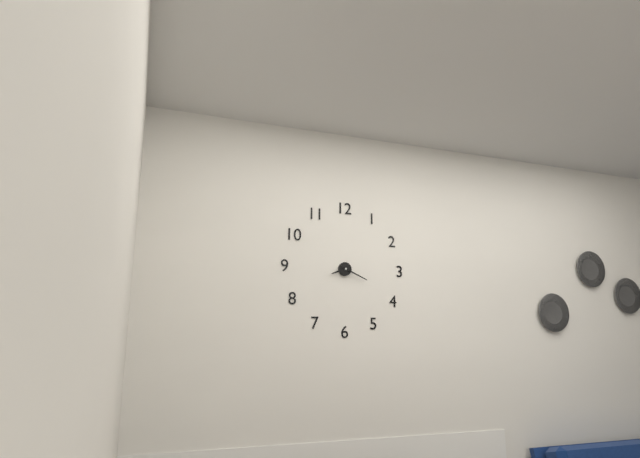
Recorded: h=8 m=19
